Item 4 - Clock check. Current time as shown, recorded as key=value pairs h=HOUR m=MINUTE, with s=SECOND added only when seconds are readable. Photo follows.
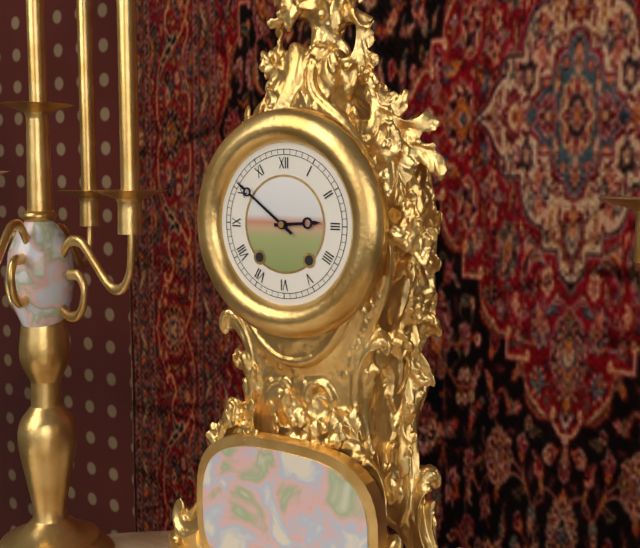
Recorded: h=2 m=51
